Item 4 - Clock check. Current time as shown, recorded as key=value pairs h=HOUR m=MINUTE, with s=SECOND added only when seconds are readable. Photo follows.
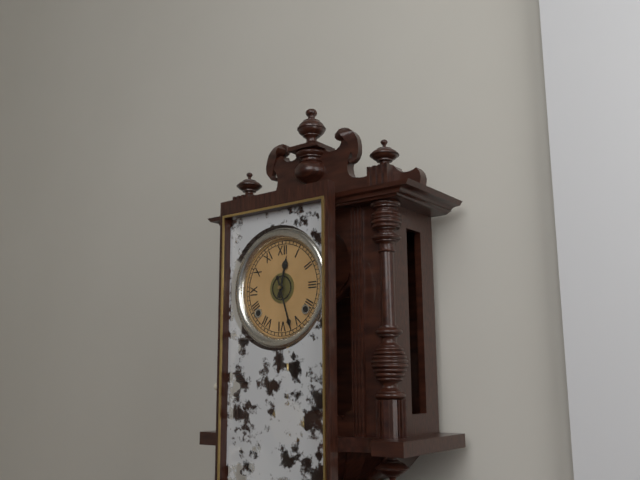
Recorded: h=12 m=27
